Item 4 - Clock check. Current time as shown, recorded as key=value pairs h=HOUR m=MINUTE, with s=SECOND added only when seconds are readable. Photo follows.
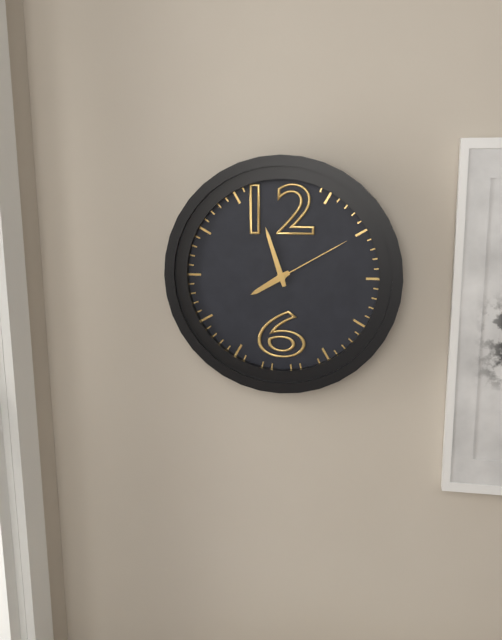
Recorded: h=7 m=57 s=10
